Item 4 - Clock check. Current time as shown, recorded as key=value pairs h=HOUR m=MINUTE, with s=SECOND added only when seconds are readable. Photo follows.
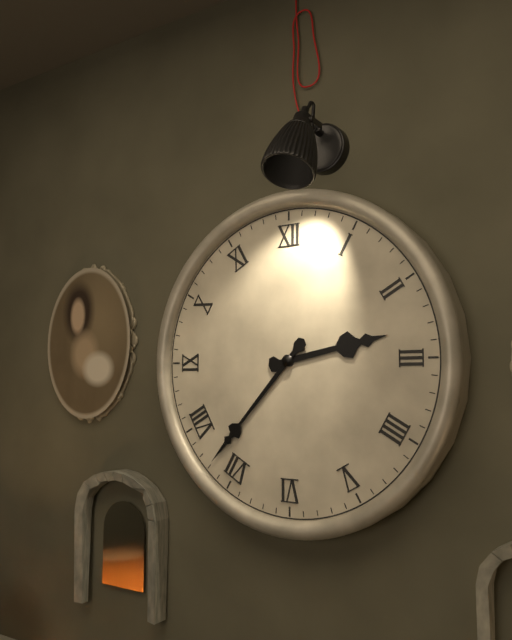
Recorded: h=2 m=37
